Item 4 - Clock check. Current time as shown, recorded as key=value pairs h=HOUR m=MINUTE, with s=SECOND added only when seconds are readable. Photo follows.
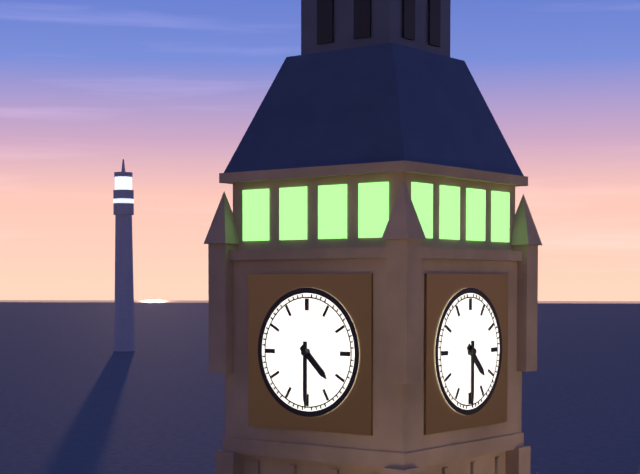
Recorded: h=4 m=30
